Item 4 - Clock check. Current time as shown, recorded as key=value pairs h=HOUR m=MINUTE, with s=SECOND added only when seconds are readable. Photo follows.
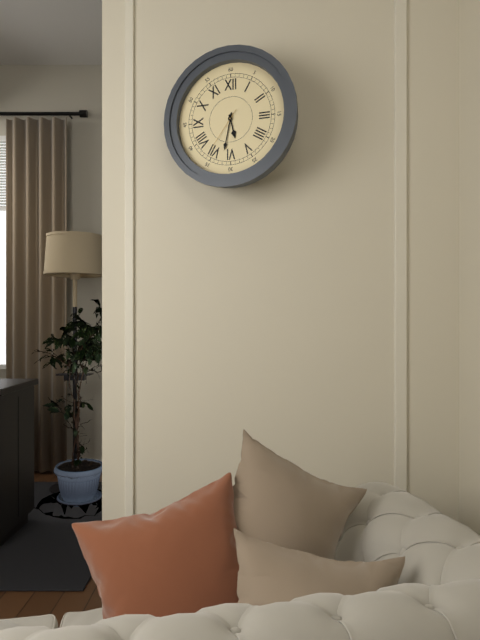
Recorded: h=5 m=32
